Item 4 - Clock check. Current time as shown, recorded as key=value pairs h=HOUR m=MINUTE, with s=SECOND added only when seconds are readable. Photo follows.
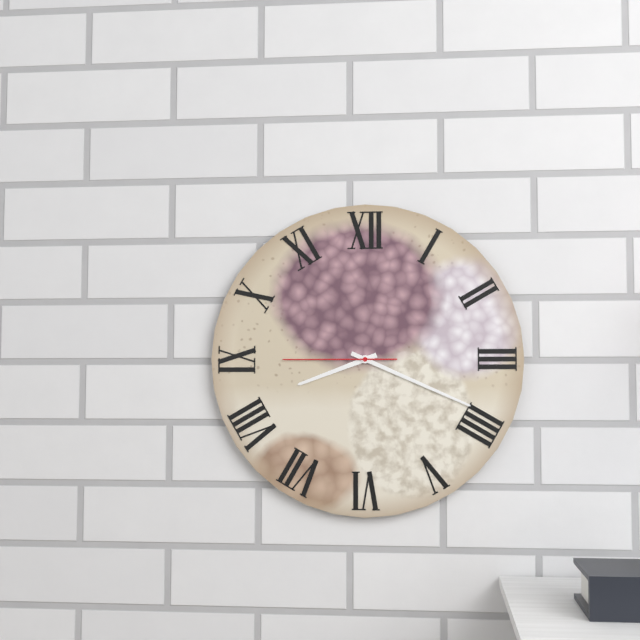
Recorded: h=8 m=19 s=45
